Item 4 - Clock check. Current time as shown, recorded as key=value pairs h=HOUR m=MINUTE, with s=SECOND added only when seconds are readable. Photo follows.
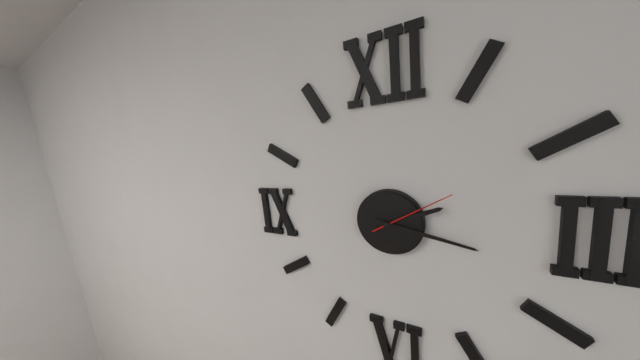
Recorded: h=2 m=17 s=10
